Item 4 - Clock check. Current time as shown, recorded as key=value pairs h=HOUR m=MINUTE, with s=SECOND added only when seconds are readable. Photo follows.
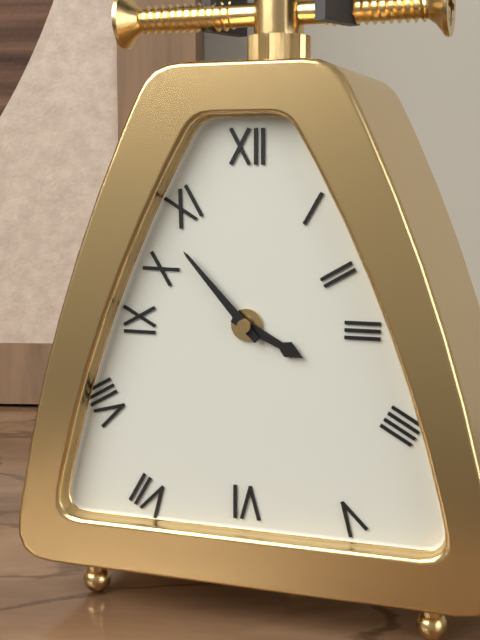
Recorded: h=3 m=53
